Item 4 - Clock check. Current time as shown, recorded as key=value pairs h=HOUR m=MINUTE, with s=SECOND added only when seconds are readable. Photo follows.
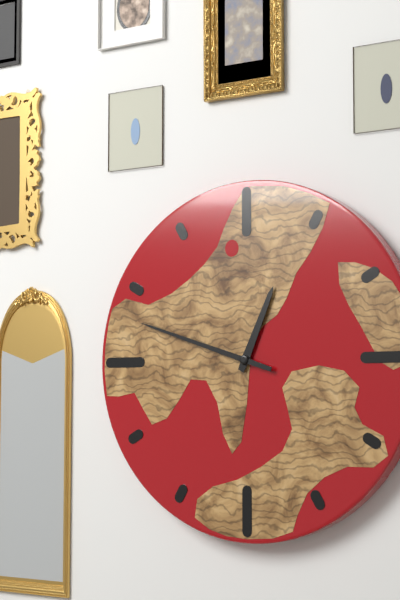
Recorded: h=12 m=48
